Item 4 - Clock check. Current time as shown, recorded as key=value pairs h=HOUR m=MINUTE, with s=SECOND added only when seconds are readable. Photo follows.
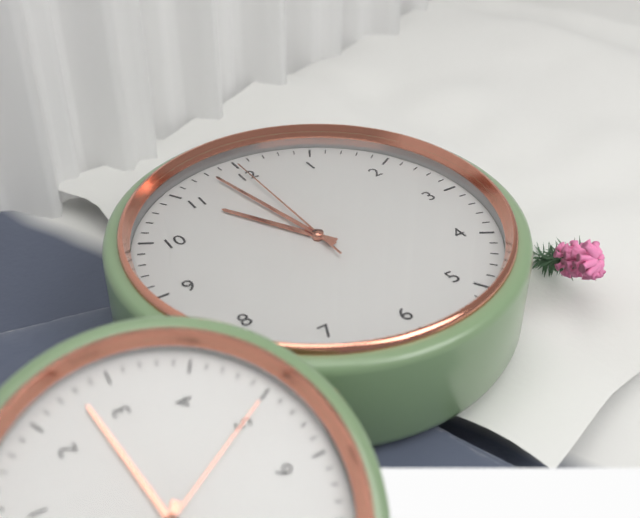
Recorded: h=10 m=58 s=0
